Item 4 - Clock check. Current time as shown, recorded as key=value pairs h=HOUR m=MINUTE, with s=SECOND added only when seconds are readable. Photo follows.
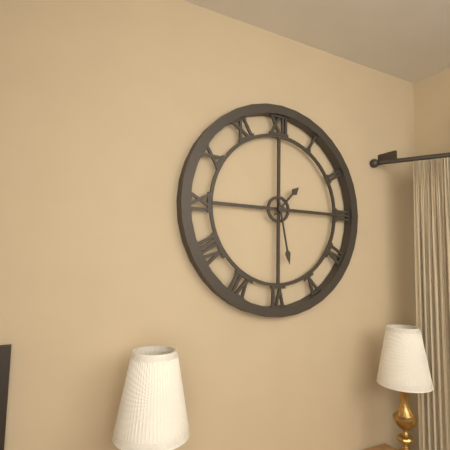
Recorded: h=1 m=28
